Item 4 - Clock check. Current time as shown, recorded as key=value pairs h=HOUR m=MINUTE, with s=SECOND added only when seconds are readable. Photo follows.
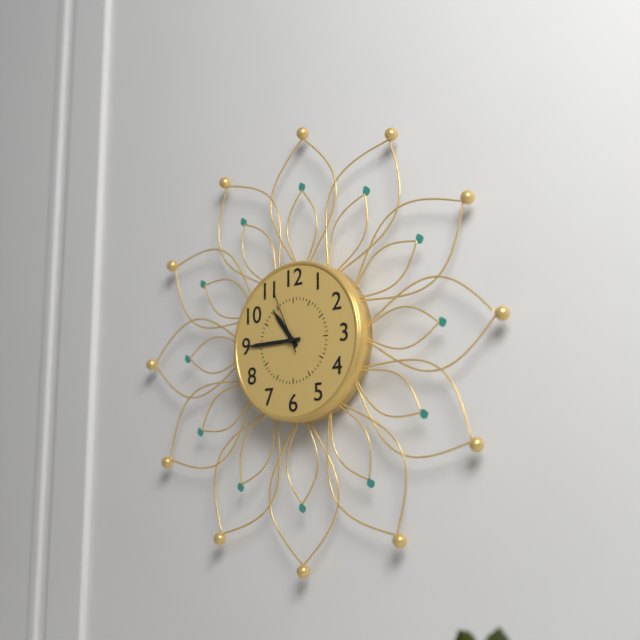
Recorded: h=10 m=45 s=56
